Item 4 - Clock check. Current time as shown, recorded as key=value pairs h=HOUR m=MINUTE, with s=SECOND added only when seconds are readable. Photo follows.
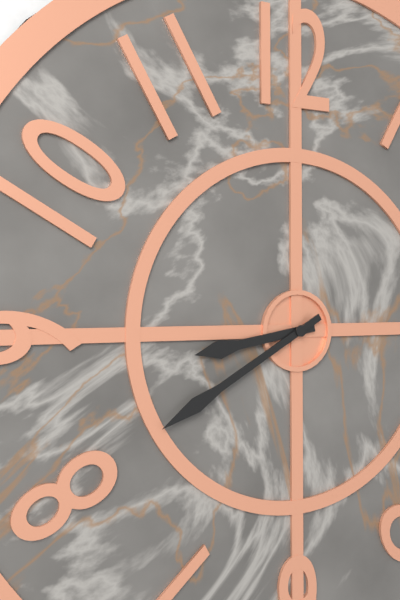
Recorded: h=8 m=40
